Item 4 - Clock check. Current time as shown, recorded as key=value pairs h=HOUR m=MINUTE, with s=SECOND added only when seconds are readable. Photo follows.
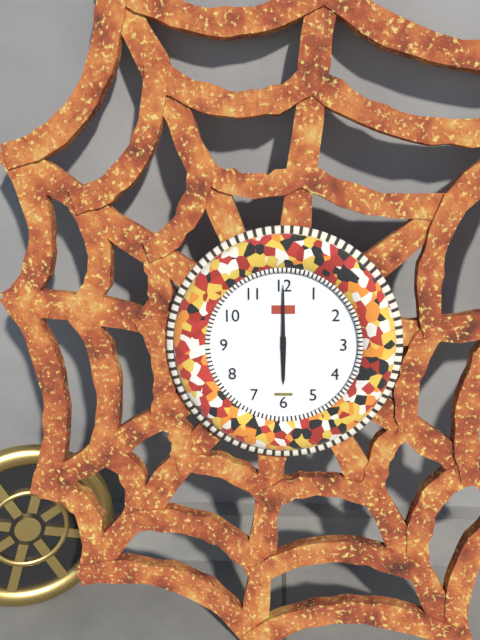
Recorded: h=6 m=0
